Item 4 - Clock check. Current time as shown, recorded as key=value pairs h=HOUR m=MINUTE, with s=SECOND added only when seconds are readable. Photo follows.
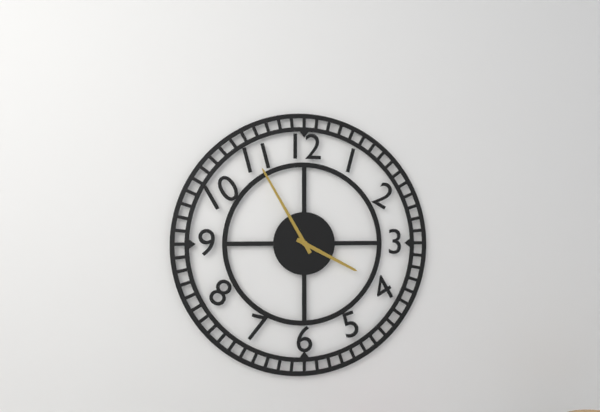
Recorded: h=3 m=55
